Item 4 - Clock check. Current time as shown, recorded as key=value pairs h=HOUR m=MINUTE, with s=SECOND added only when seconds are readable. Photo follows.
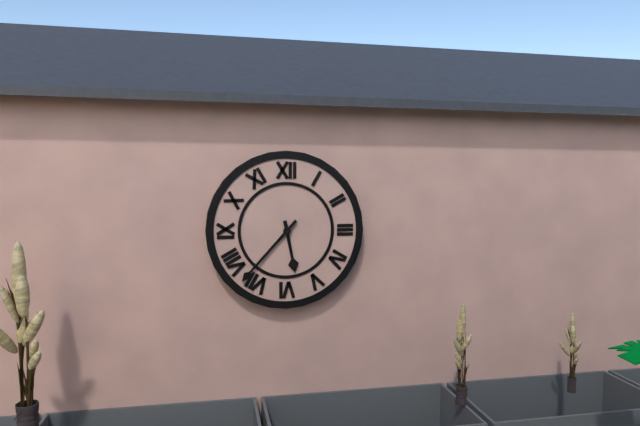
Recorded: h=5 m=37
